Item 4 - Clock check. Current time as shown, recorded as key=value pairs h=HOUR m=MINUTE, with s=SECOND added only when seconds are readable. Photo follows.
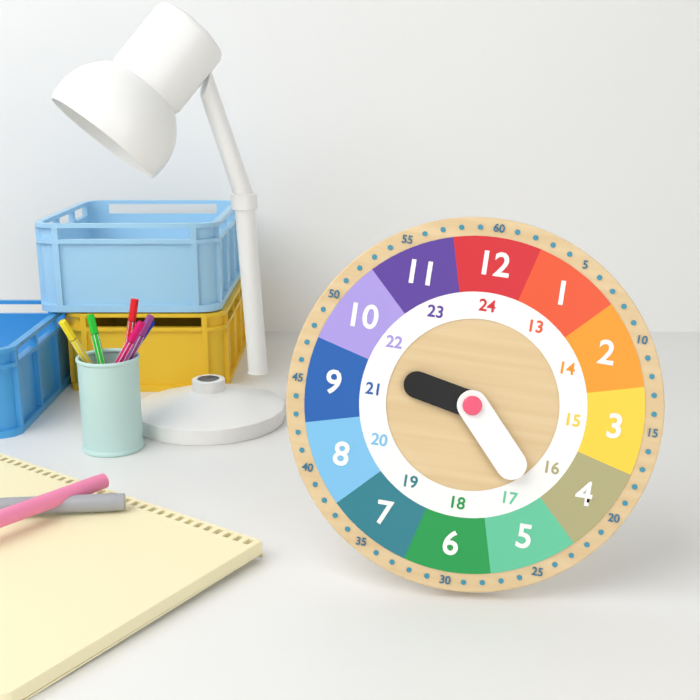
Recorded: h=9 m=23
